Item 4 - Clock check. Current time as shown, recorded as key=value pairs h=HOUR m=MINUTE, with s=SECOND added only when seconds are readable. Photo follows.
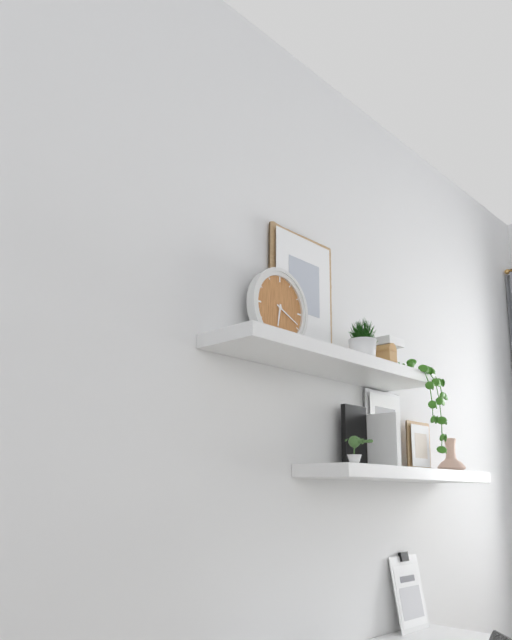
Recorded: h=6 m=19
